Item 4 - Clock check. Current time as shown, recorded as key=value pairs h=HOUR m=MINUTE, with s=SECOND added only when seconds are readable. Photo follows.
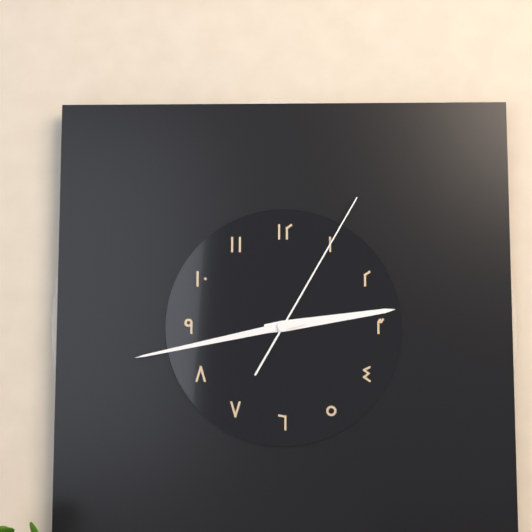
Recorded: h=2 m=43 s=5
